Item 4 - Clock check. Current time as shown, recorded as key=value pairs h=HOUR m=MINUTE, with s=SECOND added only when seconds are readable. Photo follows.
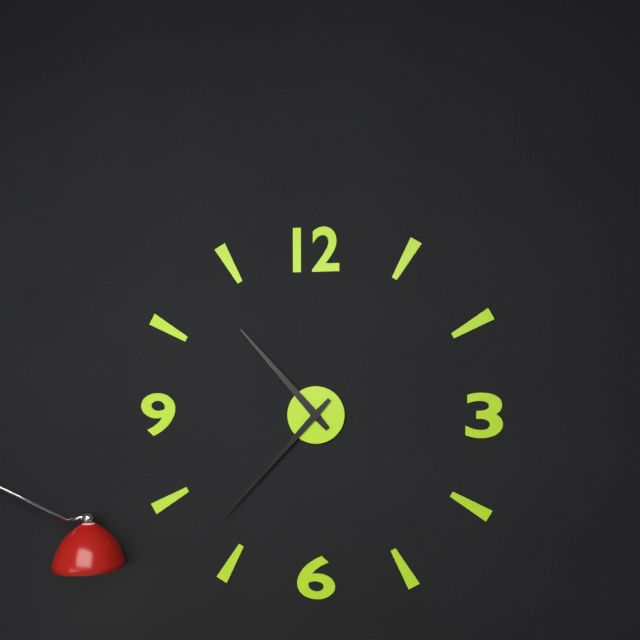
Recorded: h=10 m=37
